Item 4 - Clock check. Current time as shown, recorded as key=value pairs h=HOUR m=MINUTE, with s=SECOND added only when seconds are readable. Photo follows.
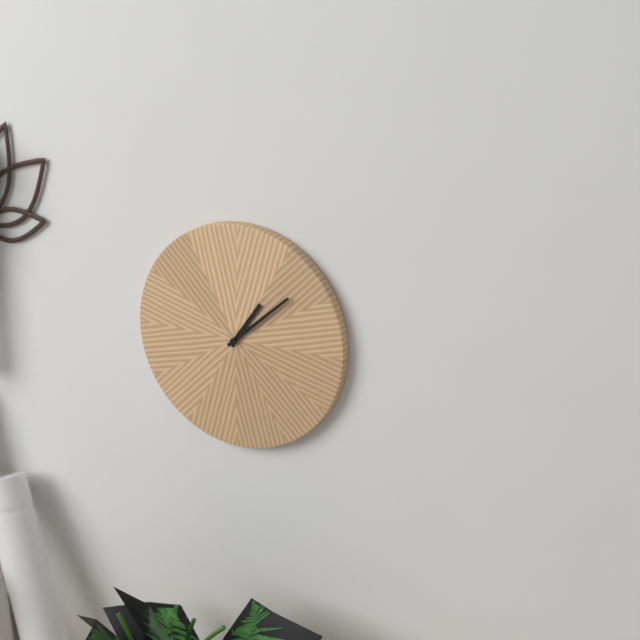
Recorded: h=1 m=8
